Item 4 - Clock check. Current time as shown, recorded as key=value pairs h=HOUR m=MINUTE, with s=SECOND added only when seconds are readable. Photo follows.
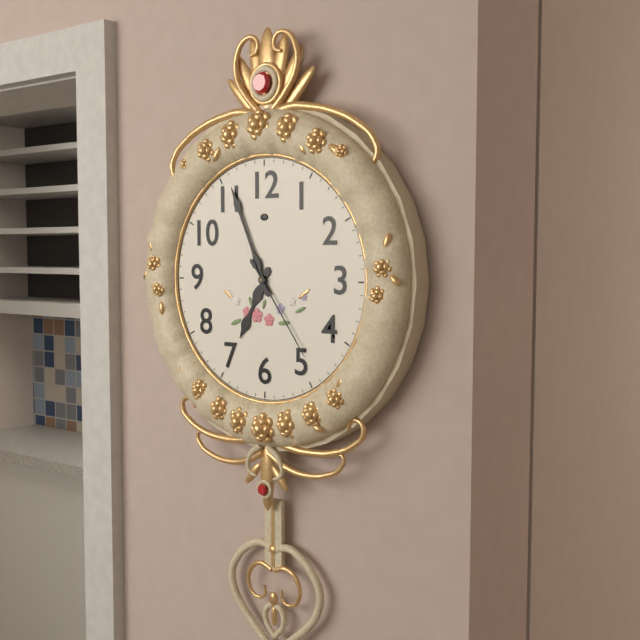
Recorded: h=6 m=56 s=24
